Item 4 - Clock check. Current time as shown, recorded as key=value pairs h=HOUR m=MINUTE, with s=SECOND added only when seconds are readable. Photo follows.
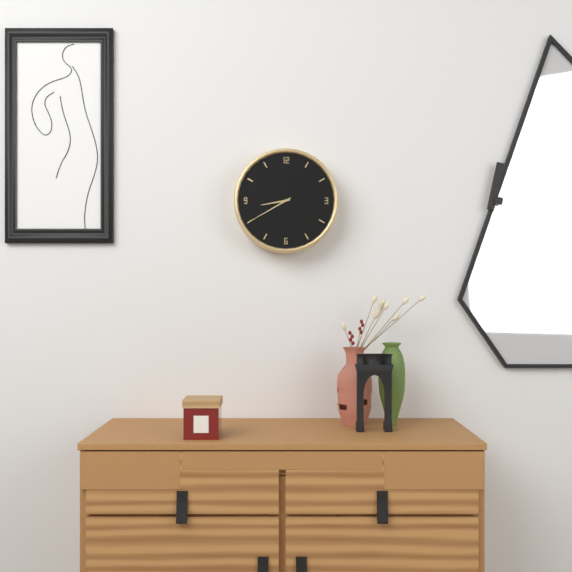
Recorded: h=8 m=40
